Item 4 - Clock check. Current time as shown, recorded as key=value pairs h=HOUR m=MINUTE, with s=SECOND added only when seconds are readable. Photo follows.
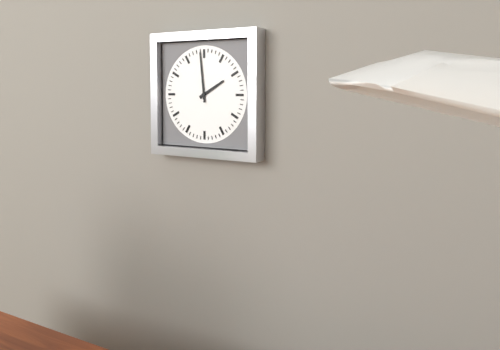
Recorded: h=1 m=59
